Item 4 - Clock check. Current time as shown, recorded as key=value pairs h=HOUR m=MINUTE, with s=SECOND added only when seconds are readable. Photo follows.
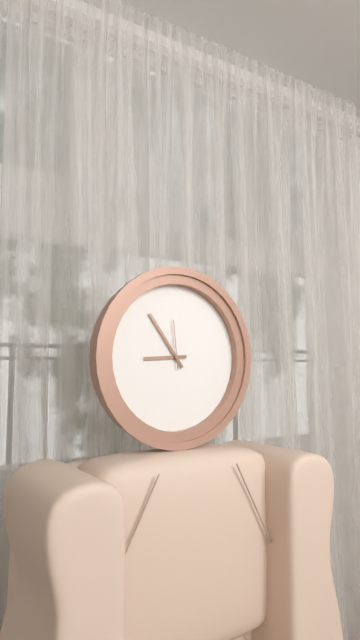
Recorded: h=8 m=54
